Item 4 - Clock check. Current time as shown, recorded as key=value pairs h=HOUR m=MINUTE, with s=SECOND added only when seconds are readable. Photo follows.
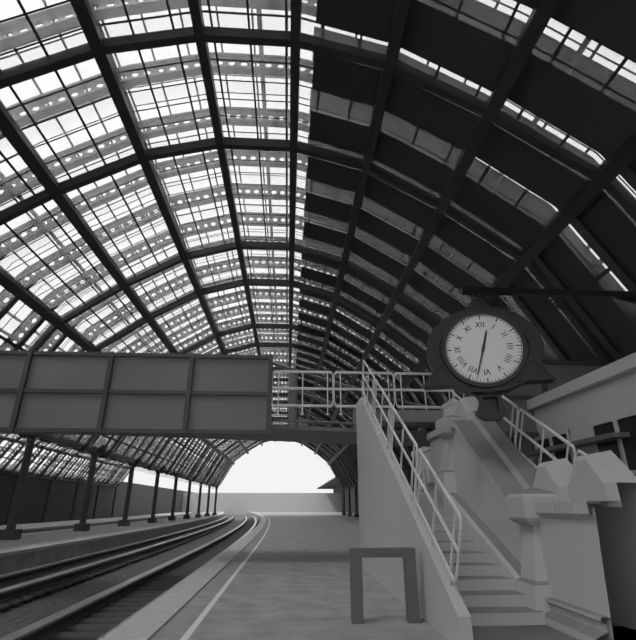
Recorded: h=12 m=33
